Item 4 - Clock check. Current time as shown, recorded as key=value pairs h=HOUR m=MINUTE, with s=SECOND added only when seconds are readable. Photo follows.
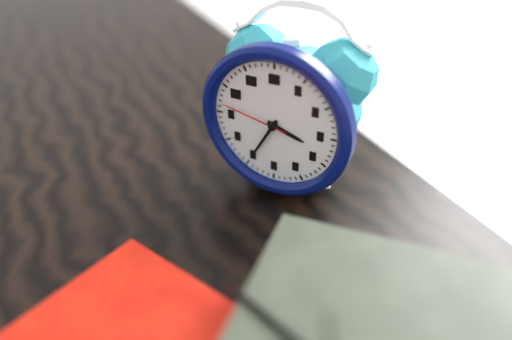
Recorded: h=3 m=35 s=47
